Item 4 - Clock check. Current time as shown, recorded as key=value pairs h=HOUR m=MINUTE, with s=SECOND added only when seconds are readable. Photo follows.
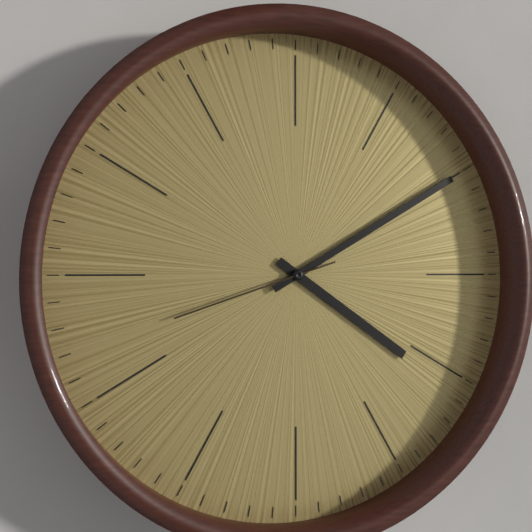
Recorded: h=4 m=10 s=42
